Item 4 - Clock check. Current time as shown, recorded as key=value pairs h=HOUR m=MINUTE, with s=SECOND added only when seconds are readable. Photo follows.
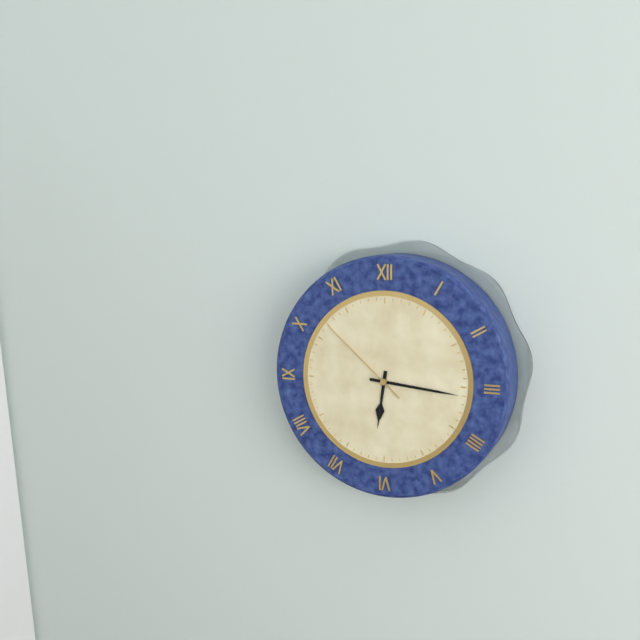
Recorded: h=6 m=16 s=52
